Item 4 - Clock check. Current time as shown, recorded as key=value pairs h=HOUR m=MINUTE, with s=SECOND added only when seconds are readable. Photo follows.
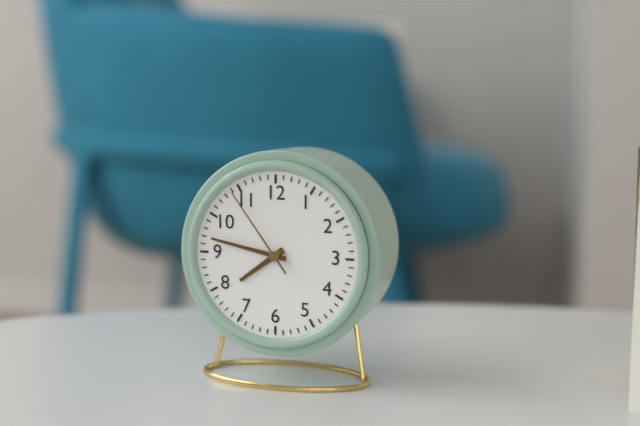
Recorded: h=7 m=47 s=54
